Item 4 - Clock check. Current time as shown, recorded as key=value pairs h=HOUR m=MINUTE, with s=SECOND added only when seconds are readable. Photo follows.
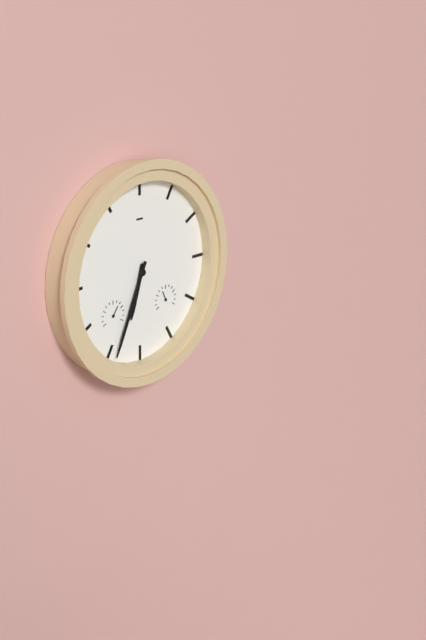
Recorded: h=6 m=34
